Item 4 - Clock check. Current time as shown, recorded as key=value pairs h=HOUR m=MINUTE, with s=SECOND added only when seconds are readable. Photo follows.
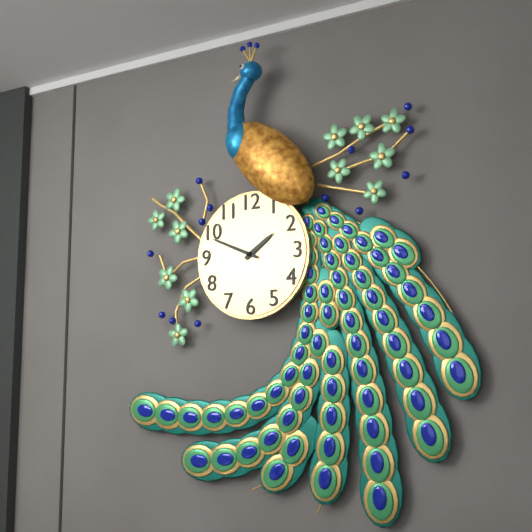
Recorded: h=1 m=49
